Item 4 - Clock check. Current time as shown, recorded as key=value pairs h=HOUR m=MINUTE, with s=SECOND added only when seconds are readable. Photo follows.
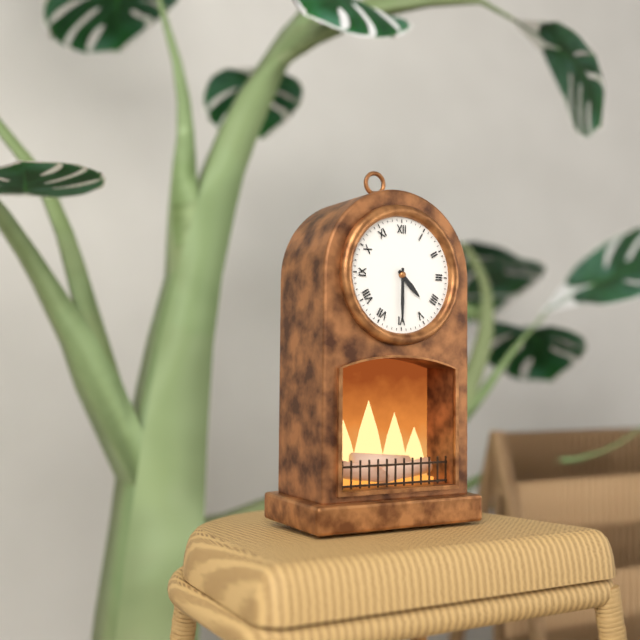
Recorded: h=4 m=30
